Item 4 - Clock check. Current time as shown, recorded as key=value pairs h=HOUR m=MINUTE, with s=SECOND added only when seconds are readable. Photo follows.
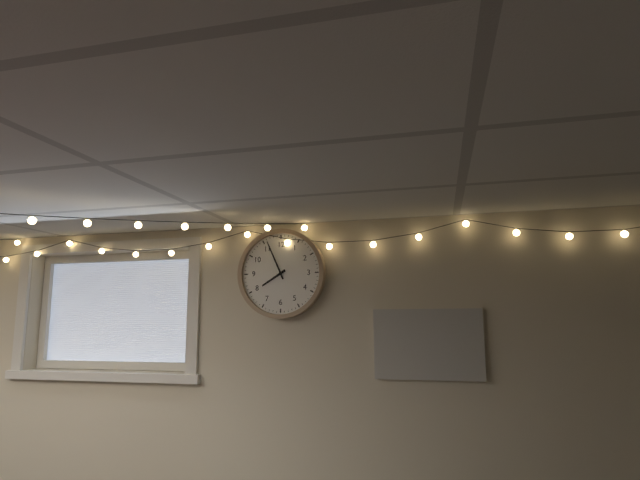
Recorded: h=7 m=56
